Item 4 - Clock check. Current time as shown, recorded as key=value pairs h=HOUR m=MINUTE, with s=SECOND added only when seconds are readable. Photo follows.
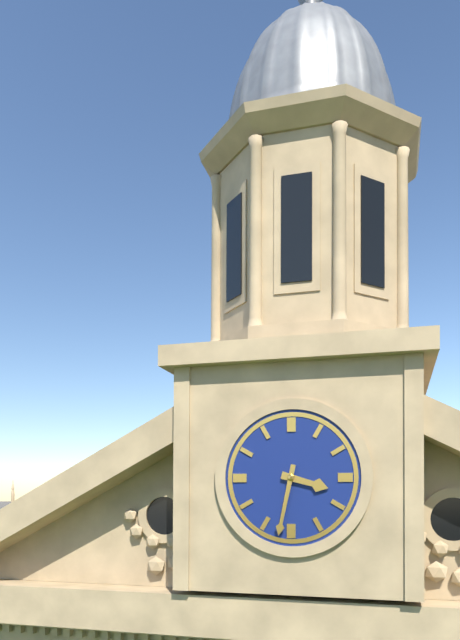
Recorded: h=3 m=32
